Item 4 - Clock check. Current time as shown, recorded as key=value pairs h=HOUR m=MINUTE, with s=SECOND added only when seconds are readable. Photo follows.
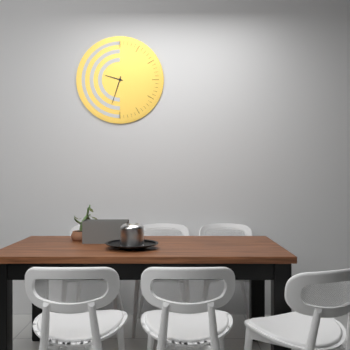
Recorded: h=9 m=33
